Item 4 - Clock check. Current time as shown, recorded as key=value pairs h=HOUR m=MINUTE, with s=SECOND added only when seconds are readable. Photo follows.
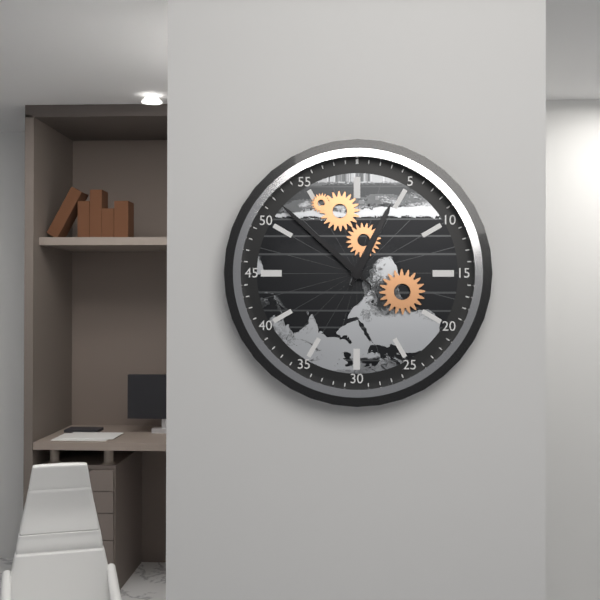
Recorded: h=12 m=52
